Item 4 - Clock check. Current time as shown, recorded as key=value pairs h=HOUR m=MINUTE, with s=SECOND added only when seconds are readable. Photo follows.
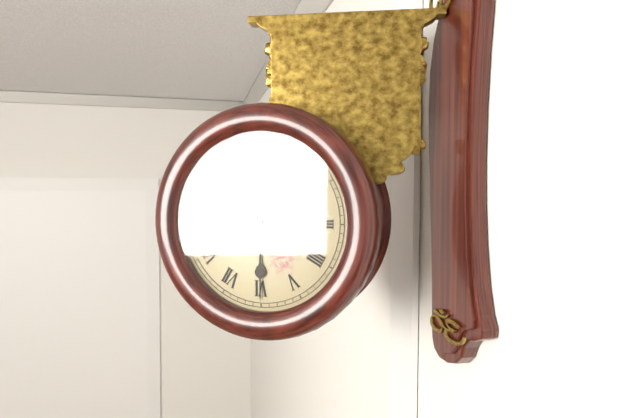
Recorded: h=9 m=30
